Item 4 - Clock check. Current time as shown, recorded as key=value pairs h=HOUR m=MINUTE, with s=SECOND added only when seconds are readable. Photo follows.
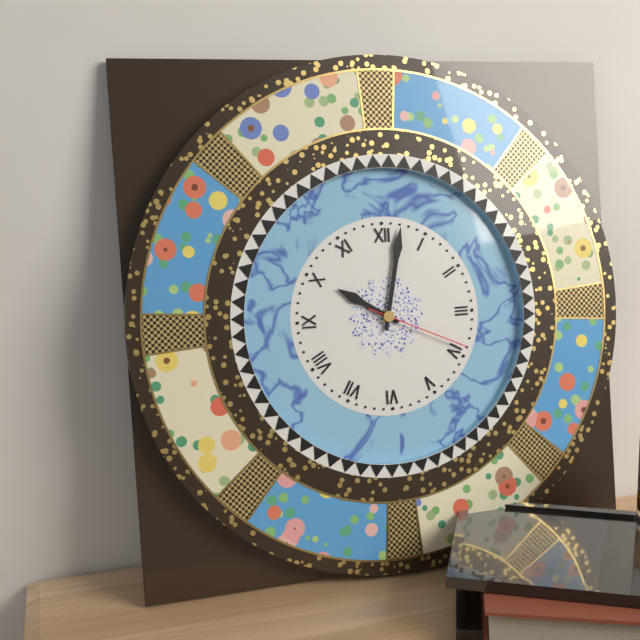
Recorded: h=10 m=2 s=19
